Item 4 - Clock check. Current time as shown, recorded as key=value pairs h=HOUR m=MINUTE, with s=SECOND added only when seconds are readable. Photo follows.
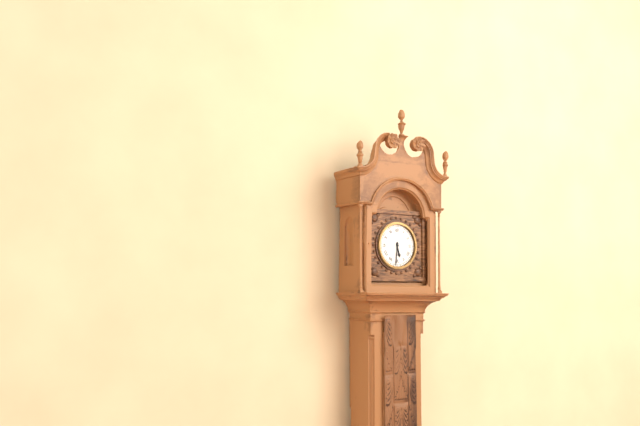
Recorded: h=5 m=31
